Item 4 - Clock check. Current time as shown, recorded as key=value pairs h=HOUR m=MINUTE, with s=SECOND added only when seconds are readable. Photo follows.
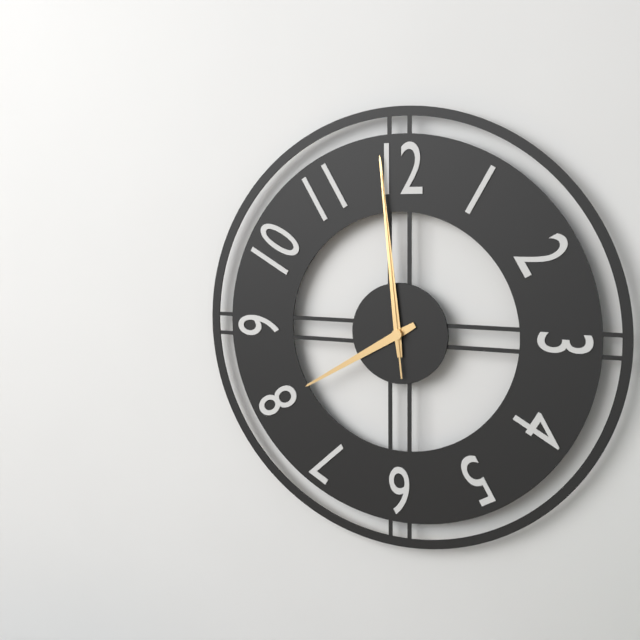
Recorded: h=7 m=59 s=59
